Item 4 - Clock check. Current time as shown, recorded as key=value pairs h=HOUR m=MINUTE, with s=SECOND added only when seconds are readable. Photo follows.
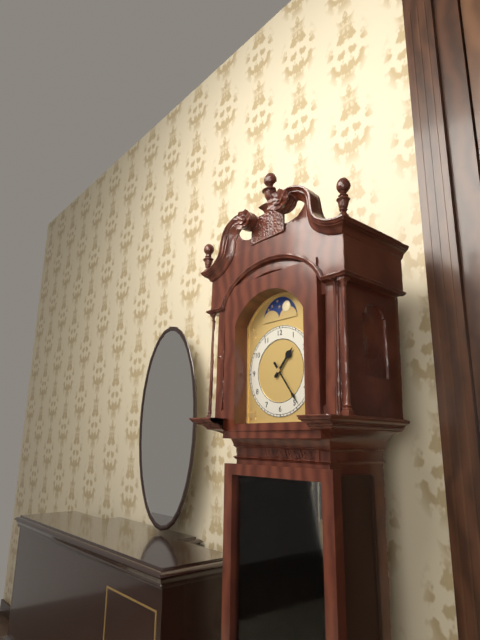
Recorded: h=1 m=24
